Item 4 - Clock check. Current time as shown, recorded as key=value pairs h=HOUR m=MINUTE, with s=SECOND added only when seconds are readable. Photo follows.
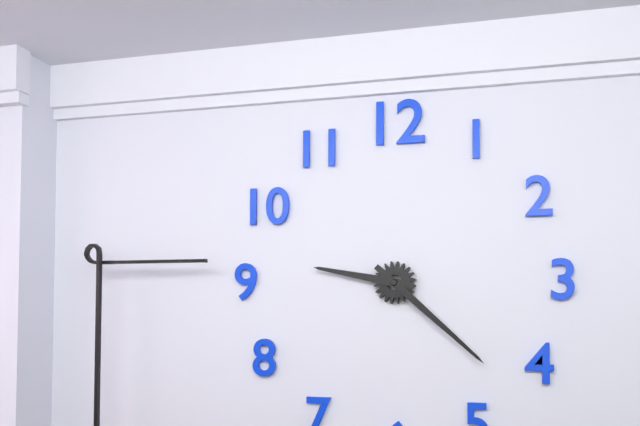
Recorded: h=9 m=22
